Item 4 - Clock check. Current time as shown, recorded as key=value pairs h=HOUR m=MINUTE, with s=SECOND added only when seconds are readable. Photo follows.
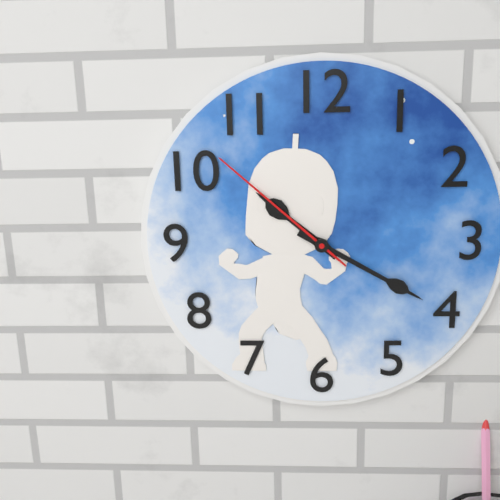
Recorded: h=10 m=20 s=52
